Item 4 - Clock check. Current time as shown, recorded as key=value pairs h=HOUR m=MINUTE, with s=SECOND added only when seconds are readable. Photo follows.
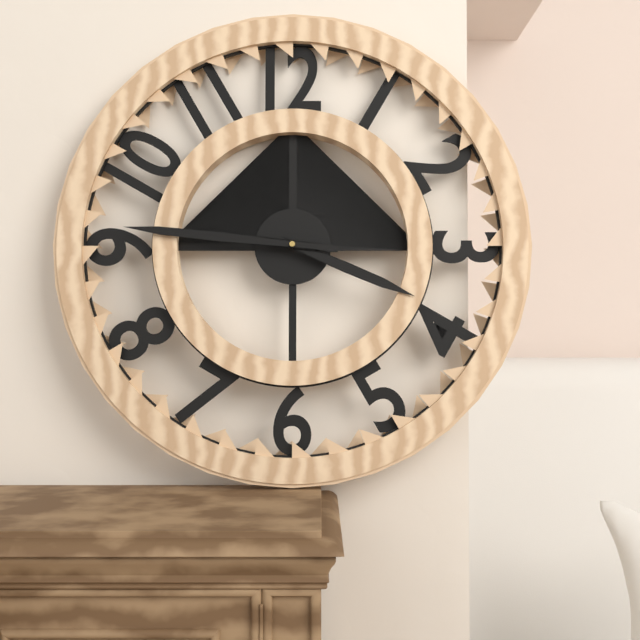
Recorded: h=3 m=46
